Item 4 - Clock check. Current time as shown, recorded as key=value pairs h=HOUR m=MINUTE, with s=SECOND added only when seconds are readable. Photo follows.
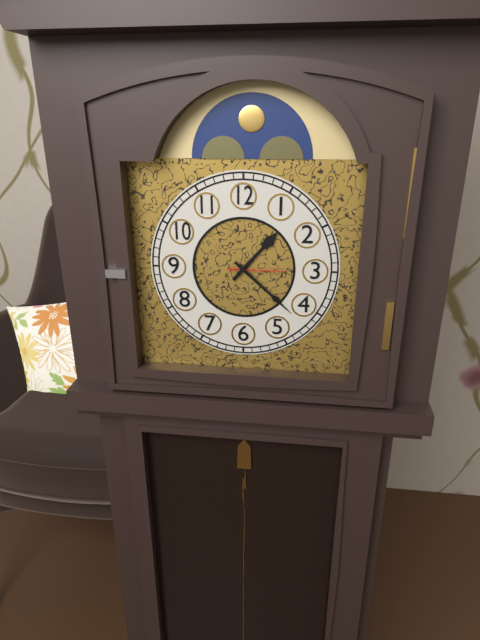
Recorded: h=1 m=22 s=15
